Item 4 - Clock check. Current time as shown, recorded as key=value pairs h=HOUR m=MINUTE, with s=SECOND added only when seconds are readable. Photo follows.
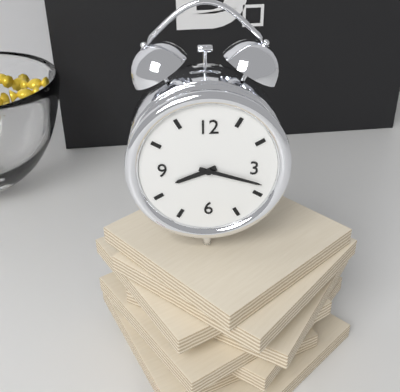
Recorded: h=8 m=18
